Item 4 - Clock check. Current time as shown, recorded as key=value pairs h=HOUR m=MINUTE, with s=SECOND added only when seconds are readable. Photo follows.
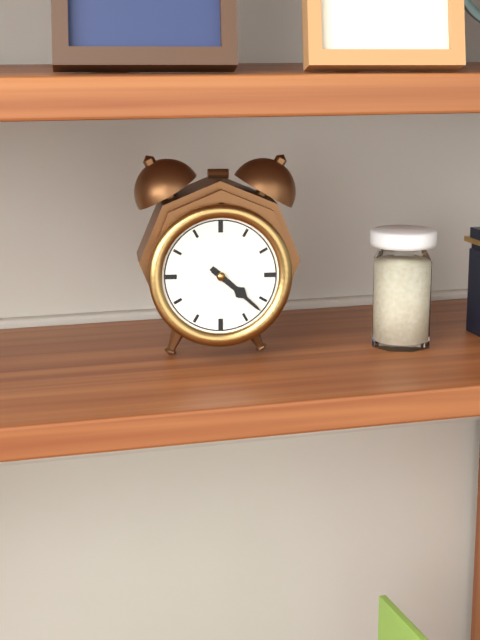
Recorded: h=4 m=22
